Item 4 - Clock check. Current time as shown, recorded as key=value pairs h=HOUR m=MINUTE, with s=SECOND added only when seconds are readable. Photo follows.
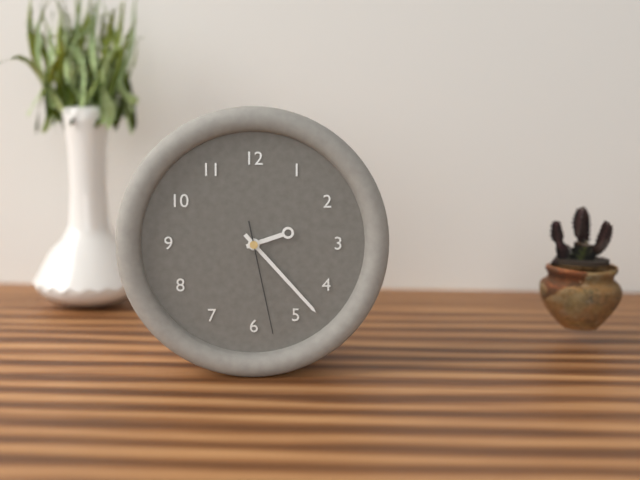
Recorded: h=2 m=23 s=28
